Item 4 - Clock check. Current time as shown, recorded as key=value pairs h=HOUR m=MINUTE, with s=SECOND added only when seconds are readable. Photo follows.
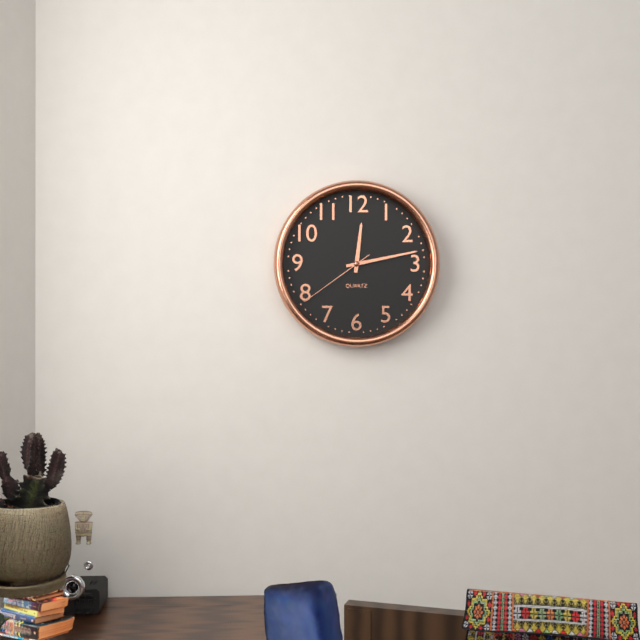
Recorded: h=12 m=13 s=39
